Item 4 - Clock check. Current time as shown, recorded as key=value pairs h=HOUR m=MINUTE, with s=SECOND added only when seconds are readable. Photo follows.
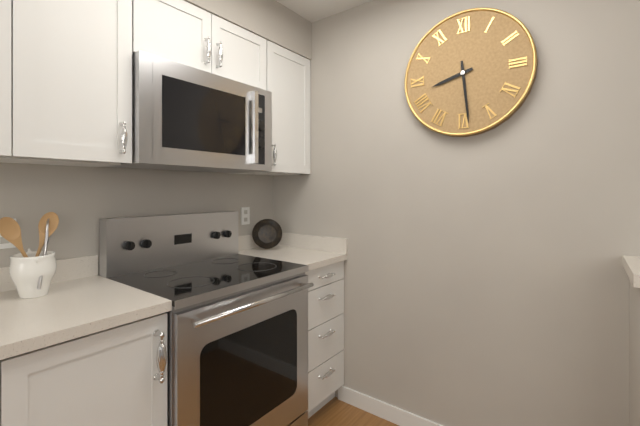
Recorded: h=8 m=29
